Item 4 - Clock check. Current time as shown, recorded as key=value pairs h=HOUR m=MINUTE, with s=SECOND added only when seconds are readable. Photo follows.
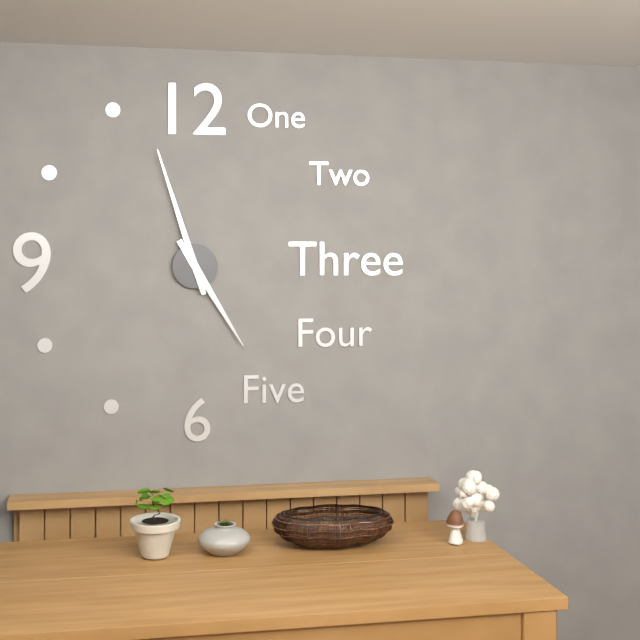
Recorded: h=4 m=57
